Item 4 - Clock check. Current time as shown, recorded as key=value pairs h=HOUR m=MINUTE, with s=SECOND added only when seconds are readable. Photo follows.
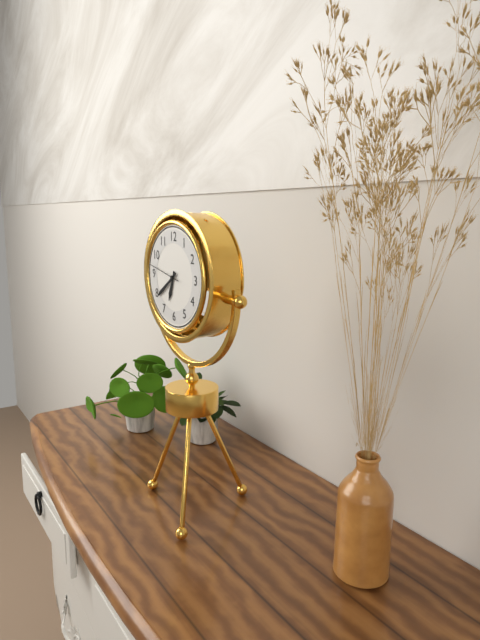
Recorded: h=6 m=39
